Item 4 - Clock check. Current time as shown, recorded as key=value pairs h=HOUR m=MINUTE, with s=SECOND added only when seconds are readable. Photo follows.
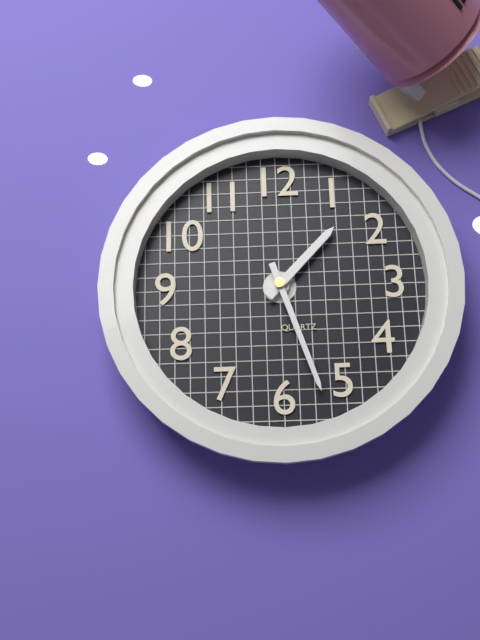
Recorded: h=1 m=27
